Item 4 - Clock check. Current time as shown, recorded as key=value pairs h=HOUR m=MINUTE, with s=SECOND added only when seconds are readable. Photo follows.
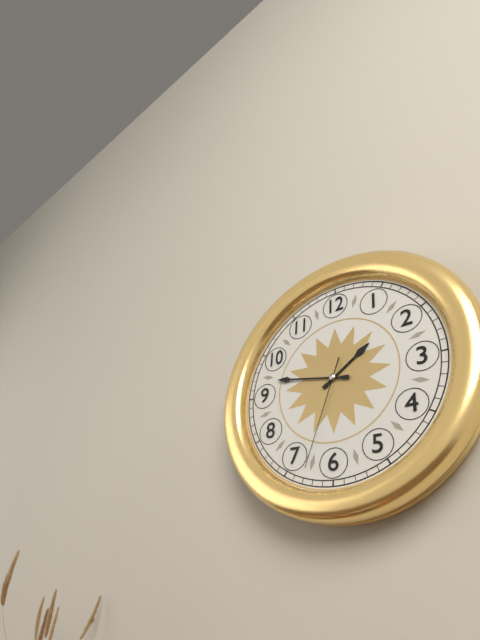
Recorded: h=1 m=47 s=33
